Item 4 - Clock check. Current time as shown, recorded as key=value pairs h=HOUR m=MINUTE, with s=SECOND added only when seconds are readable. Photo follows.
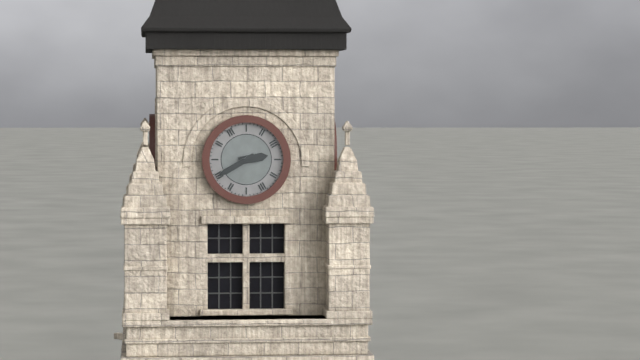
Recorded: h=2 m=40
